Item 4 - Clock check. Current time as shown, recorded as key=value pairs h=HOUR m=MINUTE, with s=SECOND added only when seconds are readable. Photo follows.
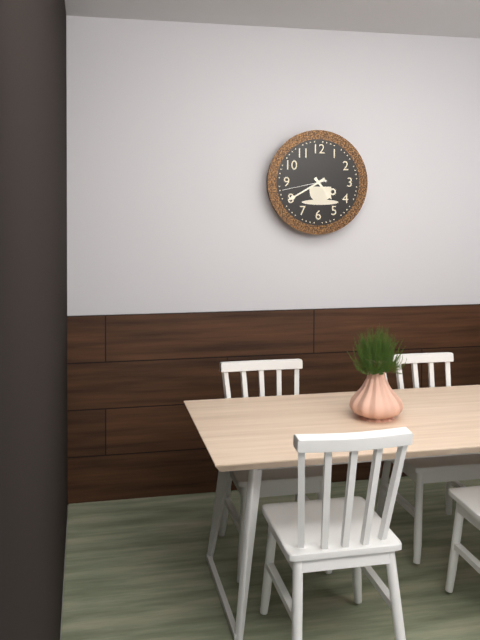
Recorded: h=4 m=40
